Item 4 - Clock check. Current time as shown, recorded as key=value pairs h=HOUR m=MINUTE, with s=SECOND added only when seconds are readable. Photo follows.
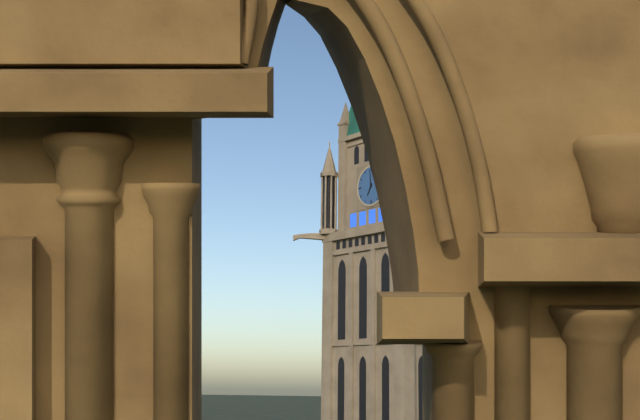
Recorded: h=6 m=59
